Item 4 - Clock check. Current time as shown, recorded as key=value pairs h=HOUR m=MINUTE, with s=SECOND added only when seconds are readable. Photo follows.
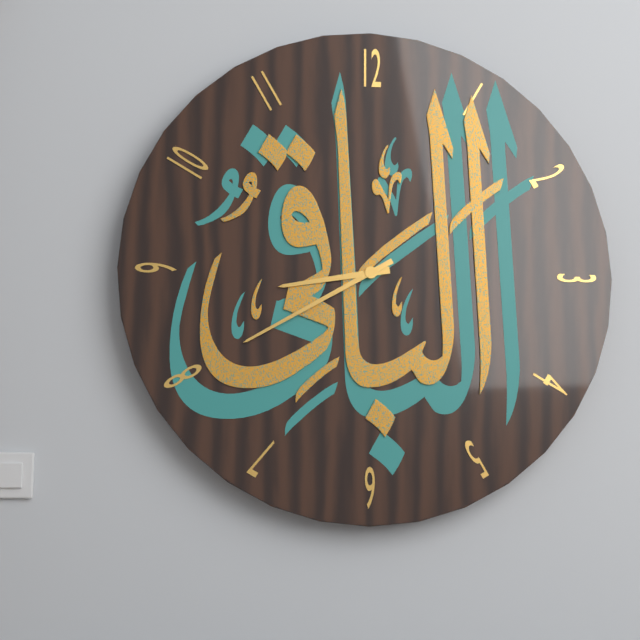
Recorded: h=8 m=40
